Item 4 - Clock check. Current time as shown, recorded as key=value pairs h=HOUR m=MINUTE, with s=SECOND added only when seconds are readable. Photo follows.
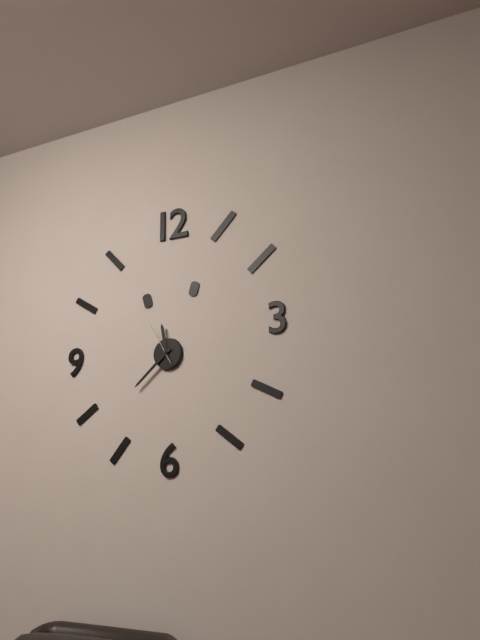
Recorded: h=11 m=38
